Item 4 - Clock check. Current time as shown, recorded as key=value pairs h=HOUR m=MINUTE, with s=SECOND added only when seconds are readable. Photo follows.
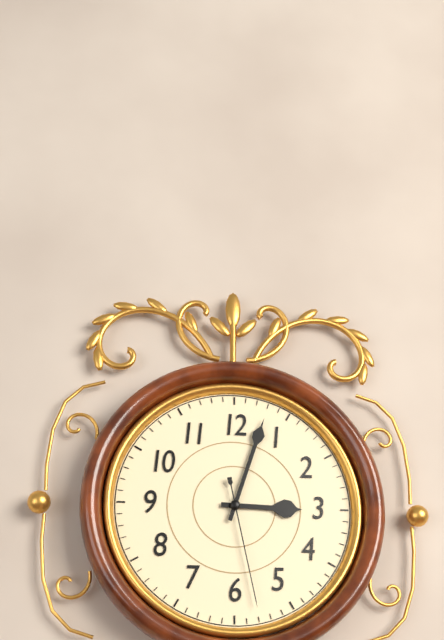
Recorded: h=3 m=3 s=28
